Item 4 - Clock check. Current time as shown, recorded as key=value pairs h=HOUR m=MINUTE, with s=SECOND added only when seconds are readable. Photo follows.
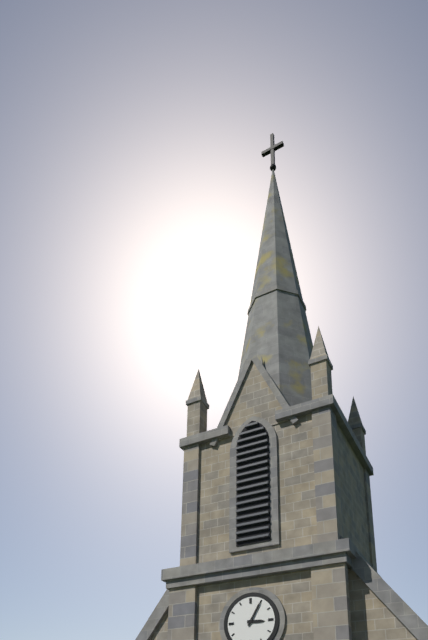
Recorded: h=3 m=5
